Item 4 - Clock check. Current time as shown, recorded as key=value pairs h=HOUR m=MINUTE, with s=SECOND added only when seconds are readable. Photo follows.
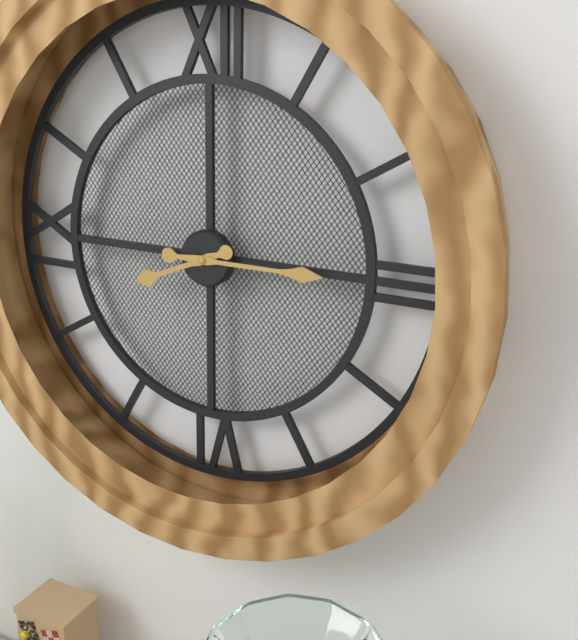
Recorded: h=8 m=15
